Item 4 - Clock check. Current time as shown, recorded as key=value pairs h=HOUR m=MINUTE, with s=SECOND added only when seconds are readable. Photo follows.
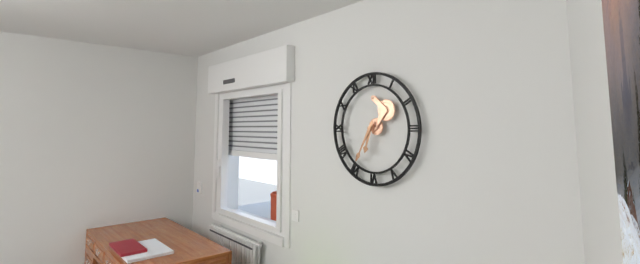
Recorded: h=6 m=35
